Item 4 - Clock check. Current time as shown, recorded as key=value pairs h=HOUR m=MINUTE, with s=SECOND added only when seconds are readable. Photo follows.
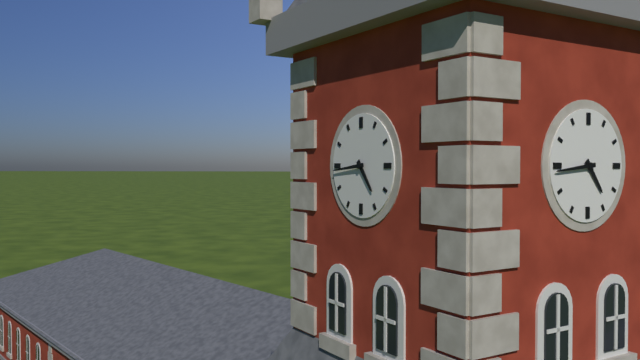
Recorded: h=4 m=44
